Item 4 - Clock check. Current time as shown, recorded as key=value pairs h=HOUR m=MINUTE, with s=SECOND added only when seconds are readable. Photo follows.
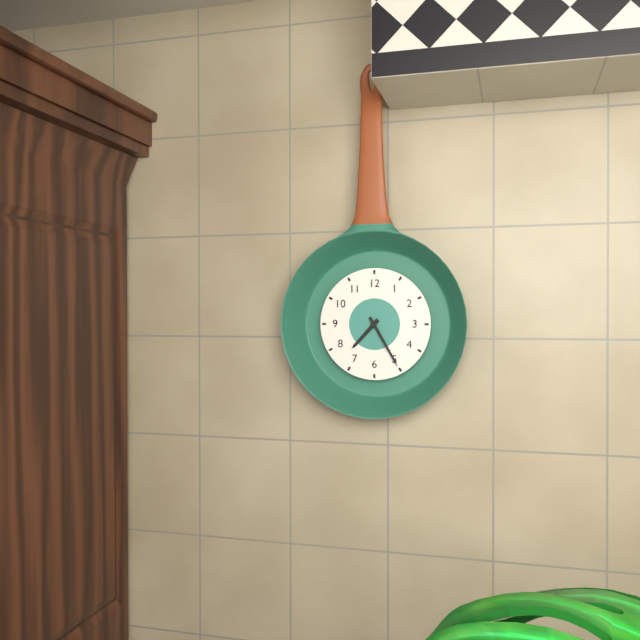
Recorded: h=7 m=25
